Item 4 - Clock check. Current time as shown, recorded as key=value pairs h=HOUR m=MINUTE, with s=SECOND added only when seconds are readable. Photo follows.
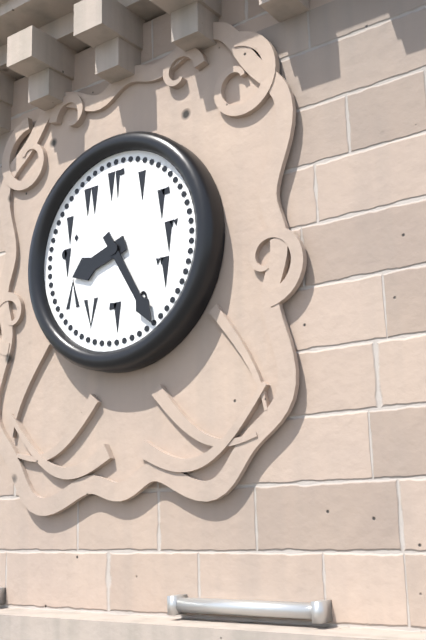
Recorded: h=8 m=25
